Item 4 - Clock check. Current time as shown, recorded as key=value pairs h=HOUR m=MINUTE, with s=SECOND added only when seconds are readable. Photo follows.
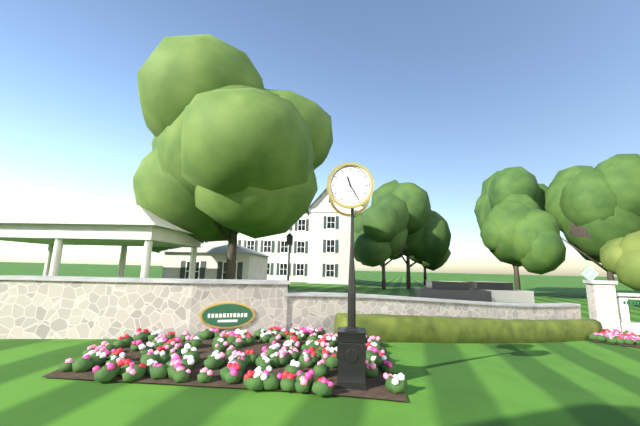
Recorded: h=11 m=25
